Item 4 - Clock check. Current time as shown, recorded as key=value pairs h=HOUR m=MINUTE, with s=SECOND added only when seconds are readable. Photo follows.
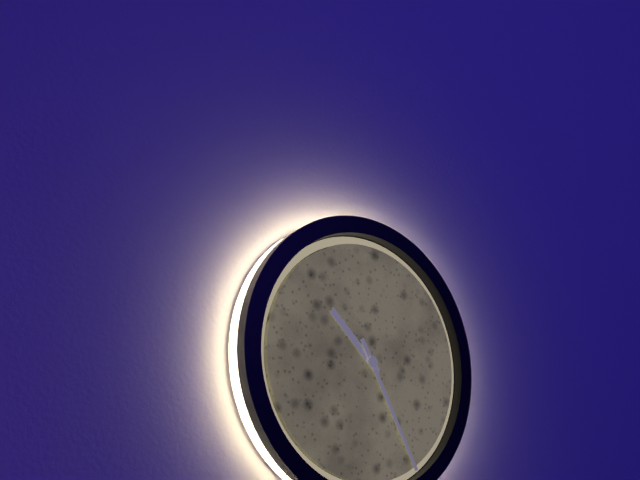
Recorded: h=10 m=25
